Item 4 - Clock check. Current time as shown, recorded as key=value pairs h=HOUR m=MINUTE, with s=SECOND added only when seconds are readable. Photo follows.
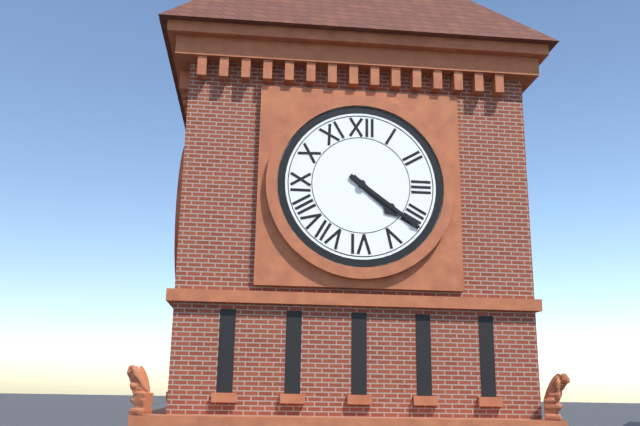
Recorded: h=4 m=21
